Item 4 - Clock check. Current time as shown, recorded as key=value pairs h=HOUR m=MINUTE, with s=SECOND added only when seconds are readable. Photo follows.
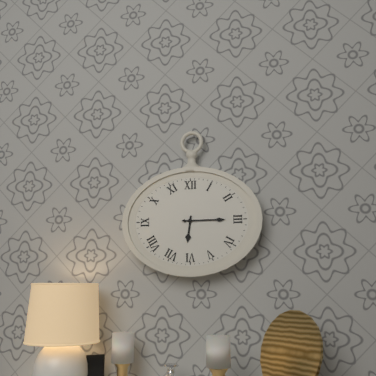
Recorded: h=6 m=15
